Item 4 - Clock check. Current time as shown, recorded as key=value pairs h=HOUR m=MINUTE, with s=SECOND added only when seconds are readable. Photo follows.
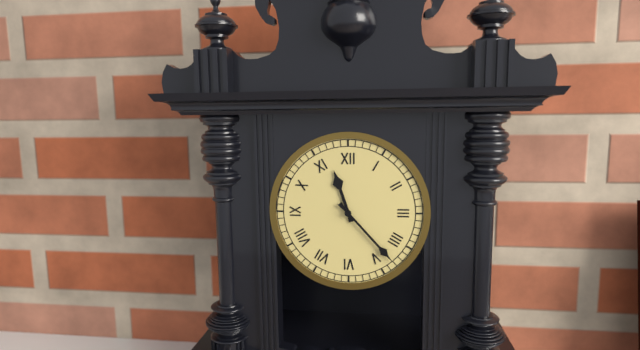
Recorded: h=11 m=23
